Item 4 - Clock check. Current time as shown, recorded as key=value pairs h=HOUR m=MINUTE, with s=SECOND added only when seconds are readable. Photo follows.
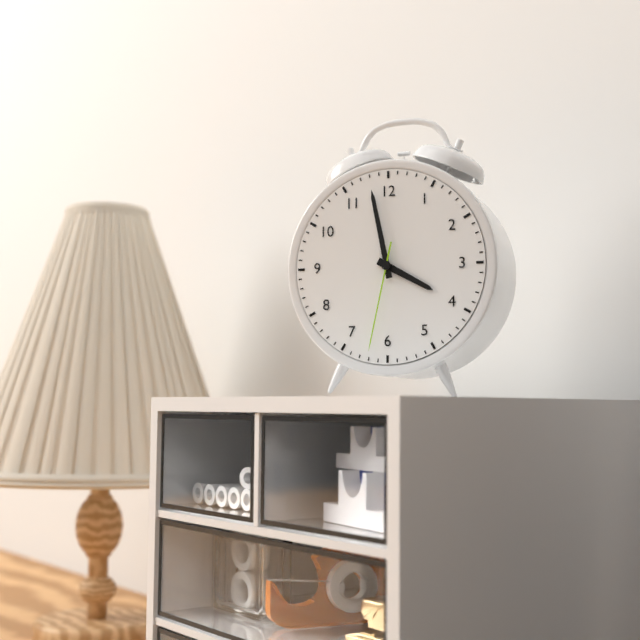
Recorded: h=3 m=58 s=32
